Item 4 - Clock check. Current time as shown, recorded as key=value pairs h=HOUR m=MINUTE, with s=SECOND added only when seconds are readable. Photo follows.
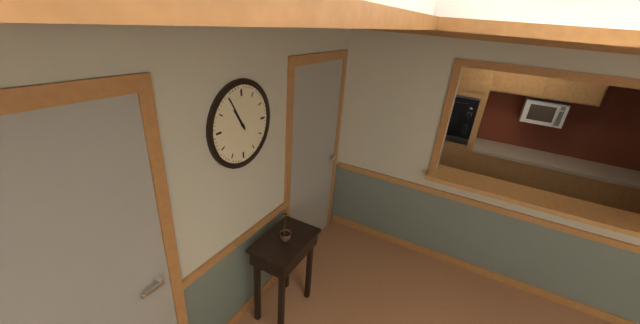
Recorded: h=10 m=55
